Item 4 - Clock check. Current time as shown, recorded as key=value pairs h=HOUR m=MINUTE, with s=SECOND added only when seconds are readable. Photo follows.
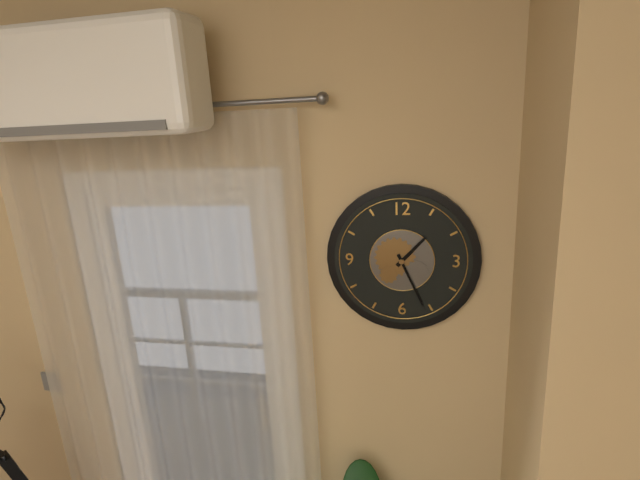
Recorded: h=1 m=26
